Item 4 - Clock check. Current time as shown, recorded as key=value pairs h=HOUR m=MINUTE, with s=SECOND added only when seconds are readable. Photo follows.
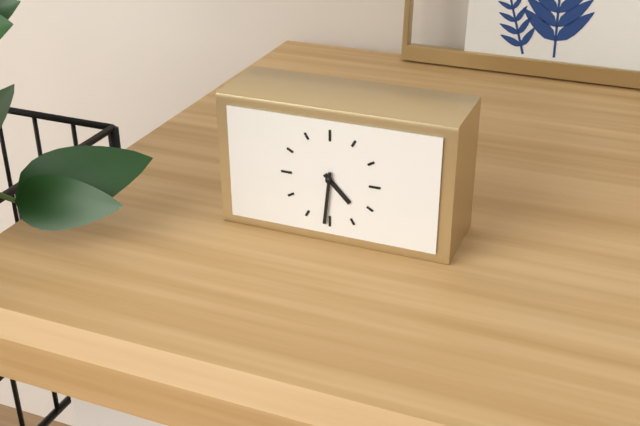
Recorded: h=4 m=31
